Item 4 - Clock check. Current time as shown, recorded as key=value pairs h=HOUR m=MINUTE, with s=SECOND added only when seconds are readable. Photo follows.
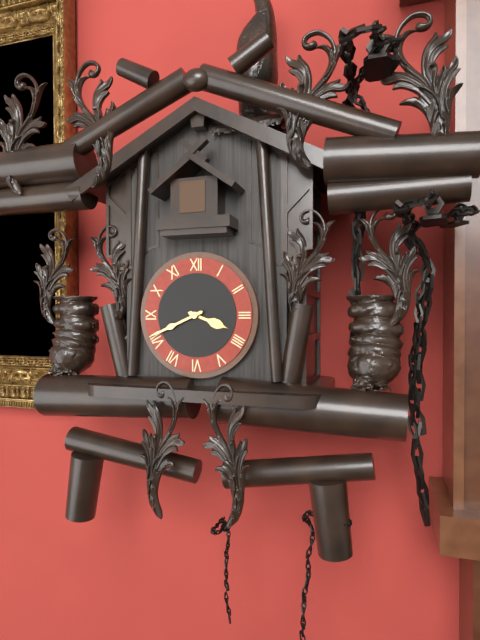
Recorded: h=3 m=41
